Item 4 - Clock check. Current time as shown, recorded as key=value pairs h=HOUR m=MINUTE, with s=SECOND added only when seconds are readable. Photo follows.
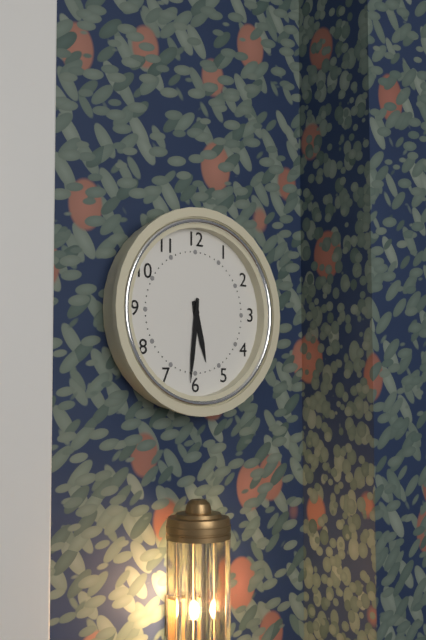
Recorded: h=5 m=31
